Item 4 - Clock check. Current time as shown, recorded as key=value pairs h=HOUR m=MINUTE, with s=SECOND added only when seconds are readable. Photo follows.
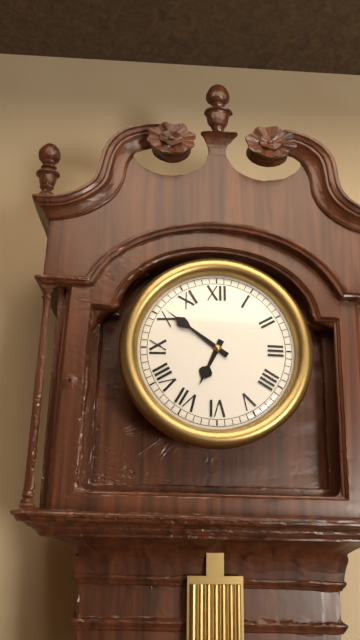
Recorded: h=6 m=51
